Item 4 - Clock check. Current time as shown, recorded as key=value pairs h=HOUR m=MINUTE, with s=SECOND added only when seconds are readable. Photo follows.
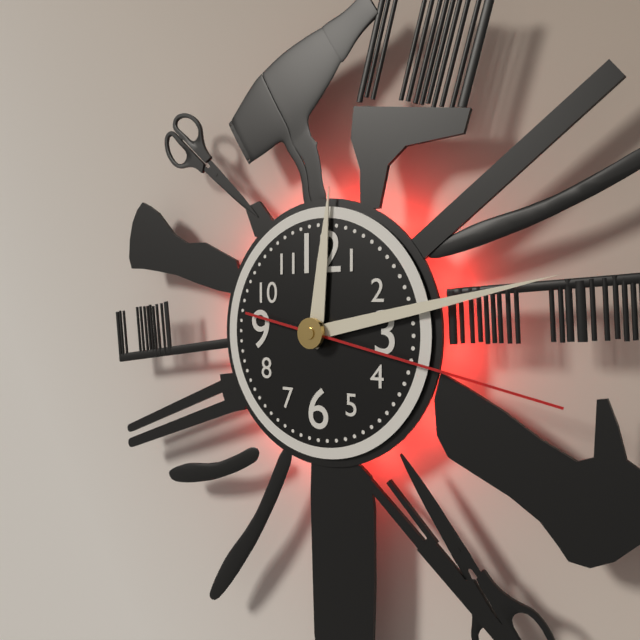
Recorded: h=12 m=13 s=17
